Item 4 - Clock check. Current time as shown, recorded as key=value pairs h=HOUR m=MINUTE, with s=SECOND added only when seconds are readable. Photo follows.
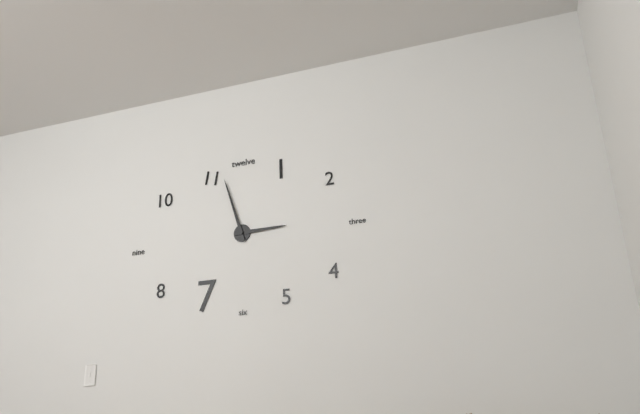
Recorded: h=2 m=57
